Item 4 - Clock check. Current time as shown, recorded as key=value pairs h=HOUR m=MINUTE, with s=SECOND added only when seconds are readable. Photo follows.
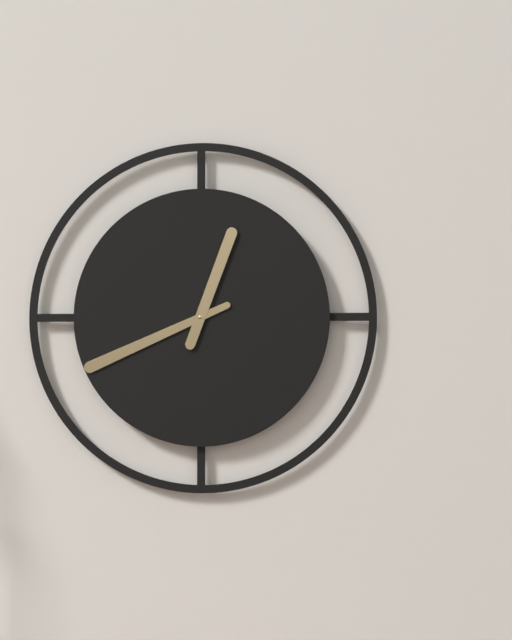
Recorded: h=12 m=41
